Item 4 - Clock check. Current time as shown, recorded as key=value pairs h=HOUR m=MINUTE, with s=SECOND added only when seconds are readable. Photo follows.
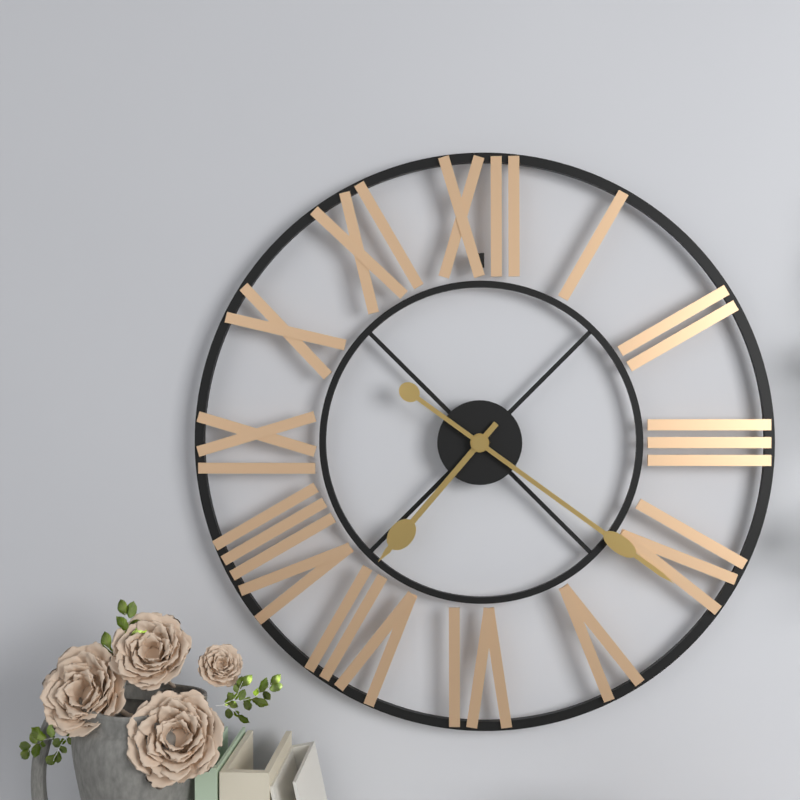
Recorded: h=7 m=21
